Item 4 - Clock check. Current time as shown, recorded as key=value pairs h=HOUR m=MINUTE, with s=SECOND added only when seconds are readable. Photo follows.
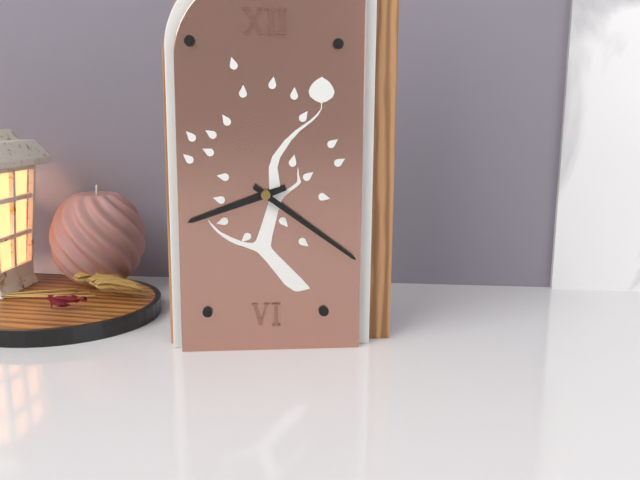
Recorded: h=8 m=21
